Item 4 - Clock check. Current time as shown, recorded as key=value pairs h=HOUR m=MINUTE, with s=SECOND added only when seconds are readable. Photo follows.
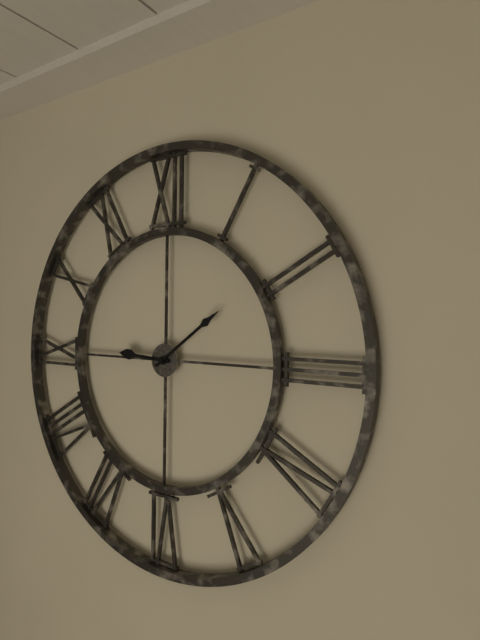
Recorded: h=9 m=9
